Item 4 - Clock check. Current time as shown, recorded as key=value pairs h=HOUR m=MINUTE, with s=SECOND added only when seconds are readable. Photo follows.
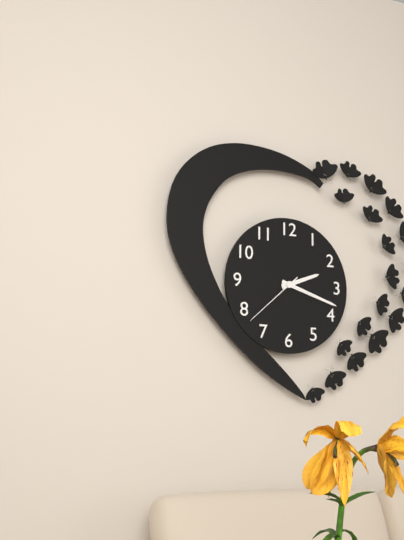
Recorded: h=2 m=18 s=38
